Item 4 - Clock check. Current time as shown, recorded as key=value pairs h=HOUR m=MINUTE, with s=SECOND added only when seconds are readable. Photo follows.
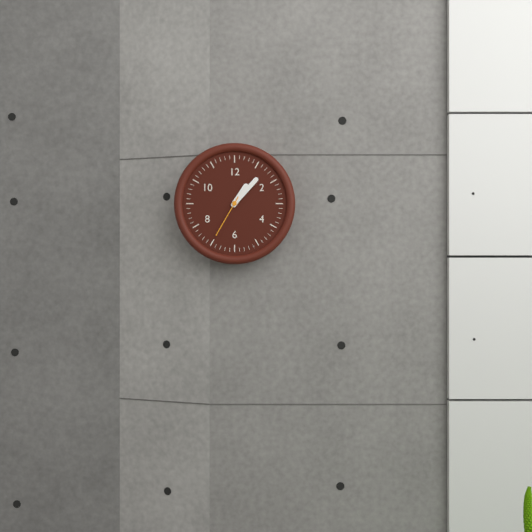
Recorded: h=1 m=7
